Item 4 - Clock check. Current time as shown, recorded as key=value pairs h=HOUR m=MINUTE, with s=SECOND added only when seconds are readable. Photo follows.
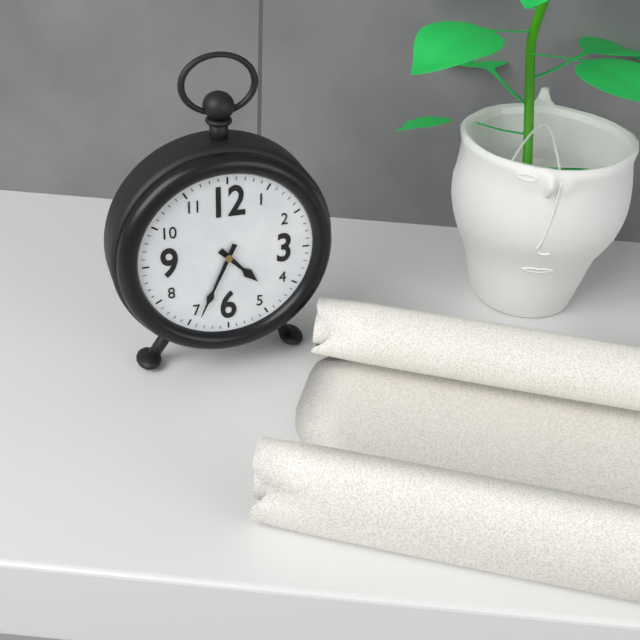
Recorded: h=4 m=34
